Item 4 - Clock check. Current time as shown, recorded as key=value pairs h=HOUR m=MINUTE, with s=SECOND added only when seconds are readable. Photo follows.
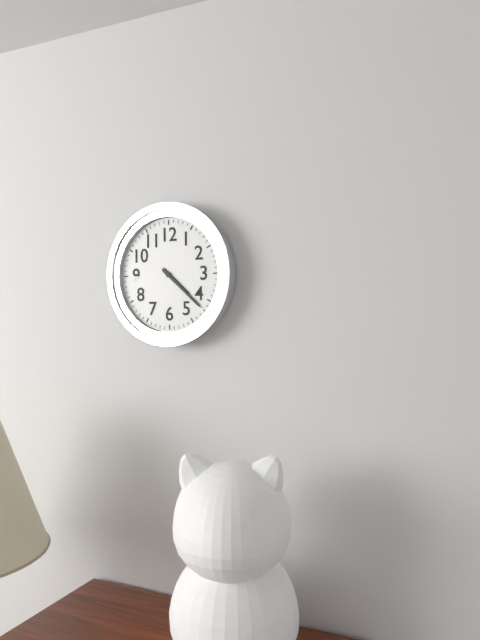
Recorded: h=4 m=22
